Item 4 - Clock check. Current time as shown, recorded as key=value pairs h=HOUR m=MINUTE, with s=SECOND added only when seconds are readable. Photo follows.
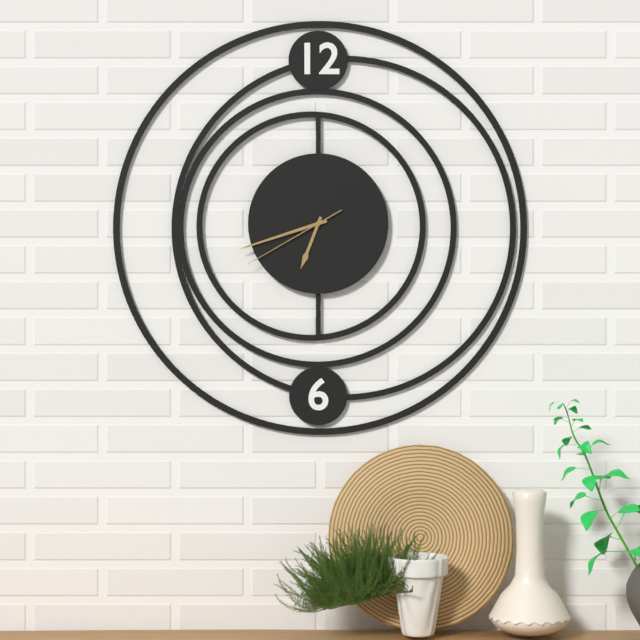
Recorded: h=6 m=42 s=40
